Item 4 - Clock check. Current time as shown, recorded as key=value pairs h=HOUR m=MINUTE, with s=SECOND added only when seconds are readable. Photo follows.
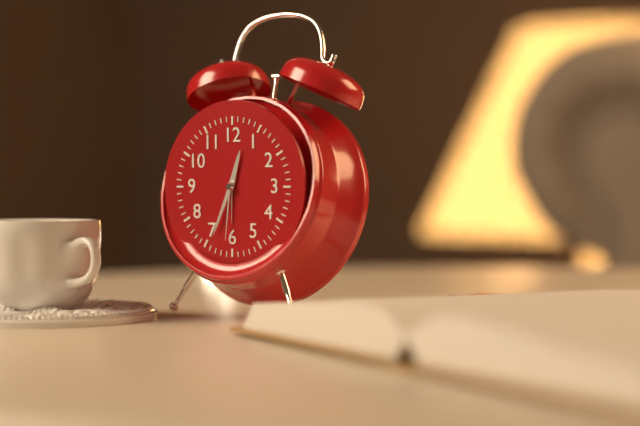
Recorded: h=12 m=34 s=31
